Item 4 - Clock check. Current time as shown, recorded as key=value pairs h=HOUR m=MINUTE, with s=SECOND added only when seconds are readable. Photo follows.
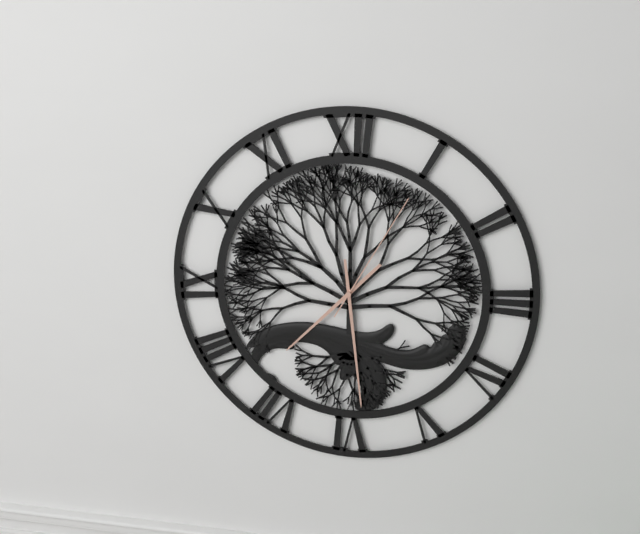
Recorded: h=7 m=29 s=5
